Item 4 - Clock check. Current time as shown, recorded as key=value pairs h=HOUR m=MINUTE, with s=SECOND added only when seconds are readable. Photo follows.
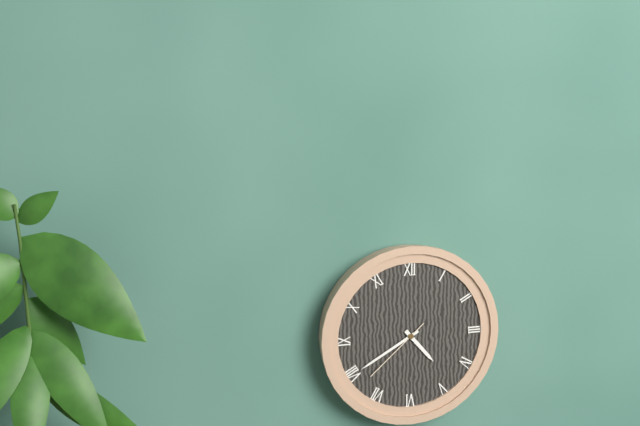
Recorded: h=4 m=40 s=38
